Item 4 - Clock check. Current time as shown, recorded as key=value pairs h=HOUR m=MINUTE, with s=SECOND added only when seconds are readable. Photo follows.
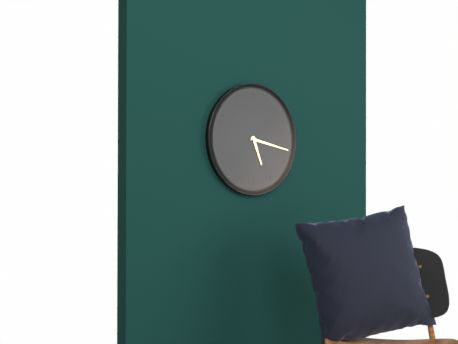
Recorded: h=5 m=17
